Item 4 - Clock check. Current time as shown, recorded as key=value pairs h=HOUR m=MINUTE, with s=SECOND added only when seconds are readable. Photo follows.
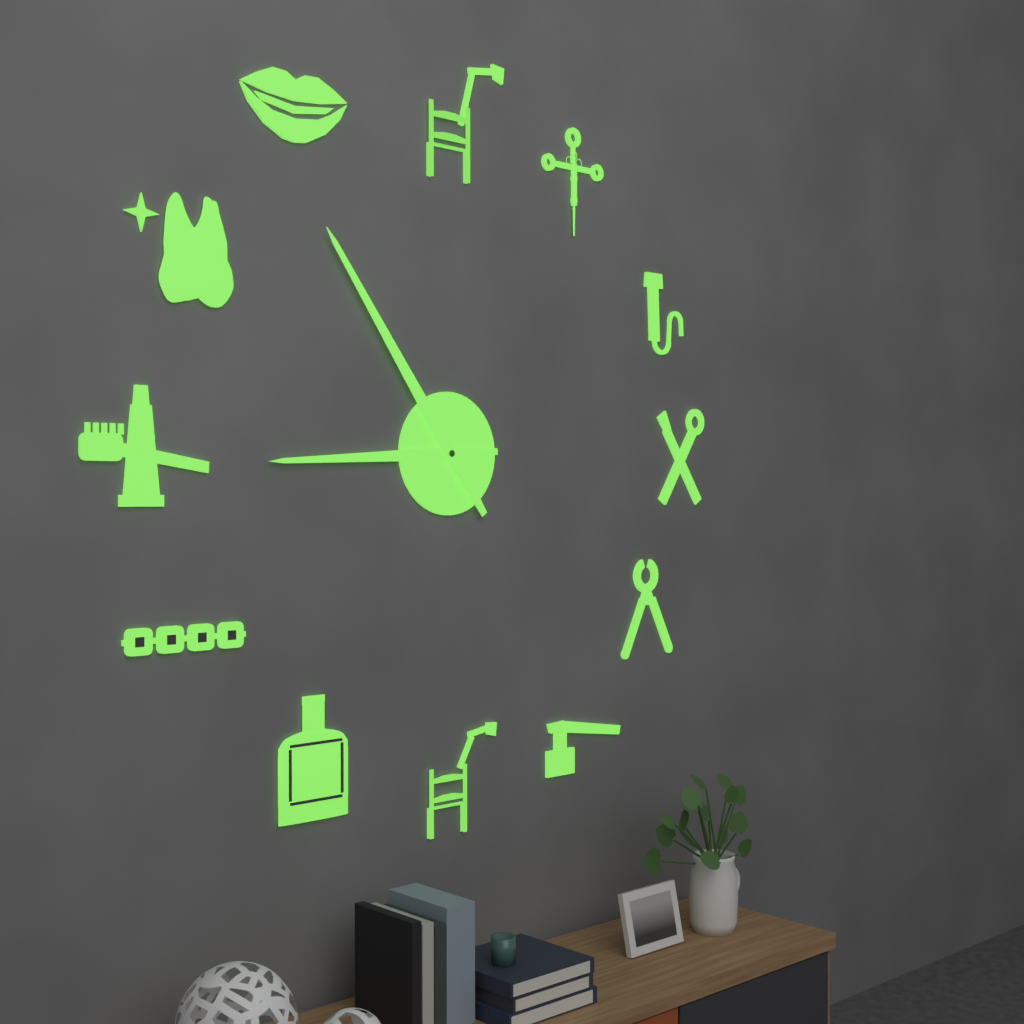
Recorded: h=8 m=54
